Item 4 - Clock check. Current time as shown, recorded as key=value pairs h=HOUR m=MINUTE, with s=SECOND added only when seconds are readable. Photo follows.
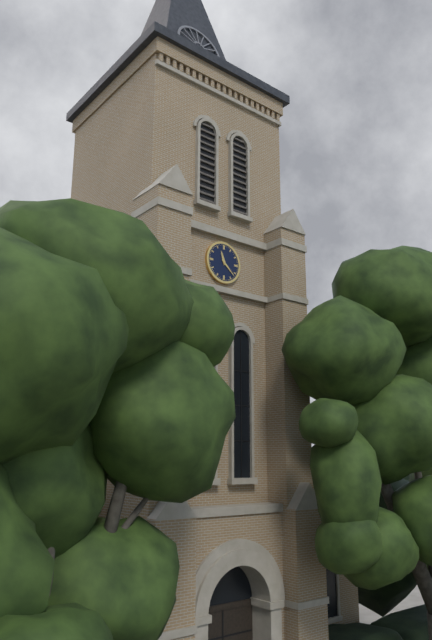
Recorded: h=11 m=22
